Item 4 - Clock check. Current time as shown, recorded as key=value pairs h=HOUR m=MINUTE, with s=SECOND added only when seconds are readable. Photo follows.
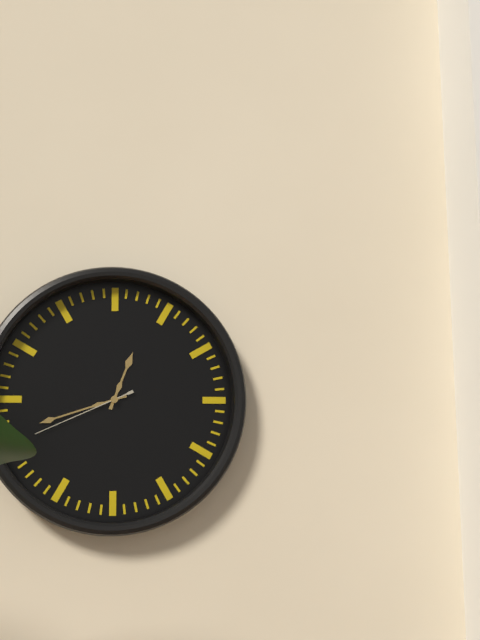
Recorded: h=12 m=42 s=41
